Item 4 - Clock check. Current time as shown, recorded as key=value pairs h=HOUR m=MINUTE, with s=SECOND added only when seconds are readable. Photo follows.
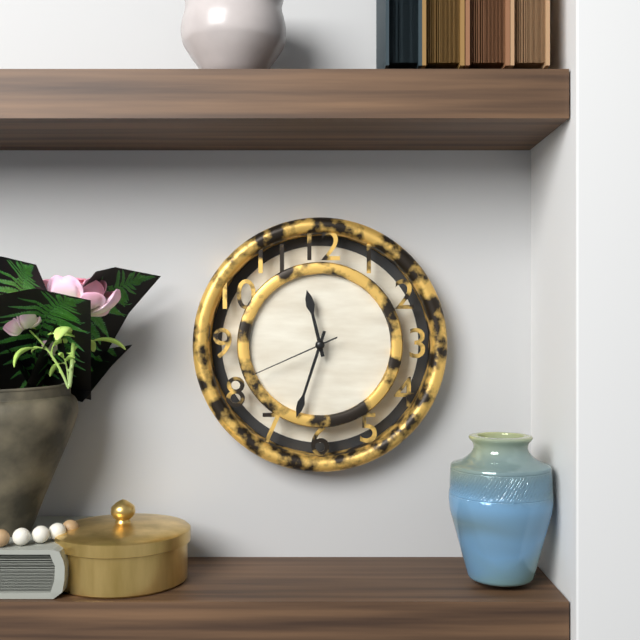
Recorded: h=11 m=33 s=41
